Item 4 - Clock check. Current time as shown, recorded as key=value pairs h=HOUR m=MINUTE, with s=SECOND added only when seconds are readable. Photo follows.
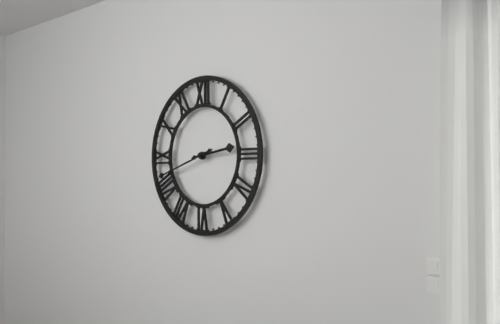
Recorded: h=2 m=42
